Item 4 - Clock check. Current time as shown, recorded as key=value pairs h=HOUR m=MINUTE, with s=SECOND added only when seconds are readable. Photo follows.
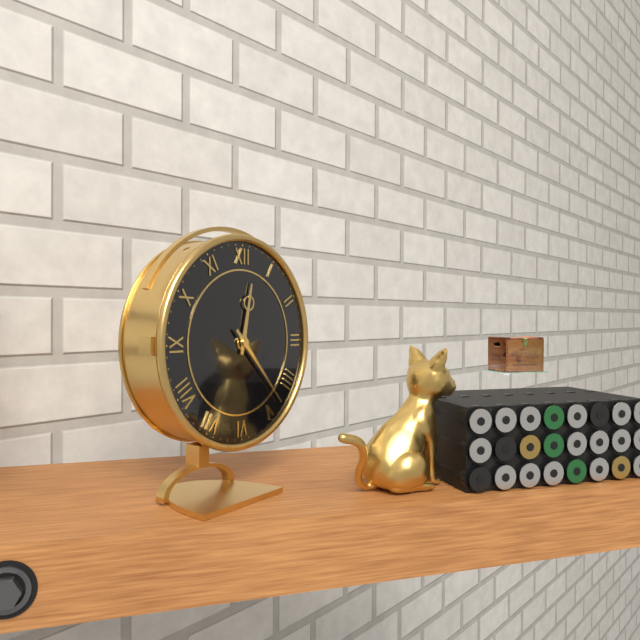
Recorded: h=12 m=23
